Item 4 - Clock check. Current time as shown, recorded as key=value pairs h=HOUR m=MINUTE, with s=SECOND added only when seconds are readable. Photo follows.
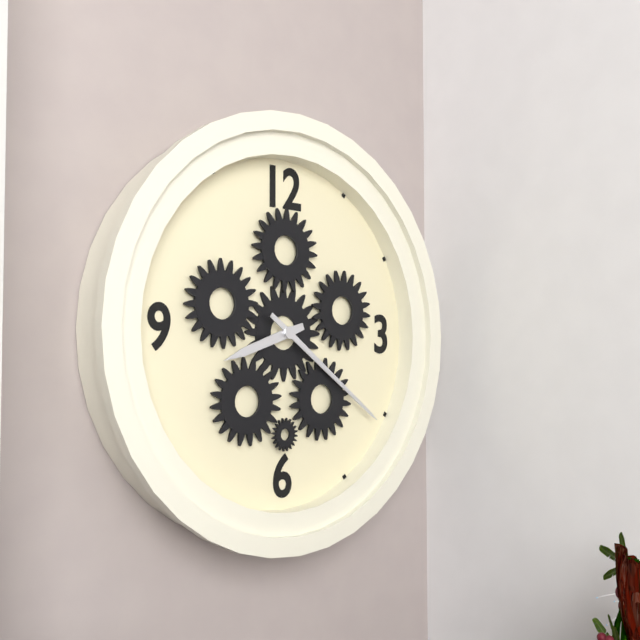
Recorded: h=8 m=21
